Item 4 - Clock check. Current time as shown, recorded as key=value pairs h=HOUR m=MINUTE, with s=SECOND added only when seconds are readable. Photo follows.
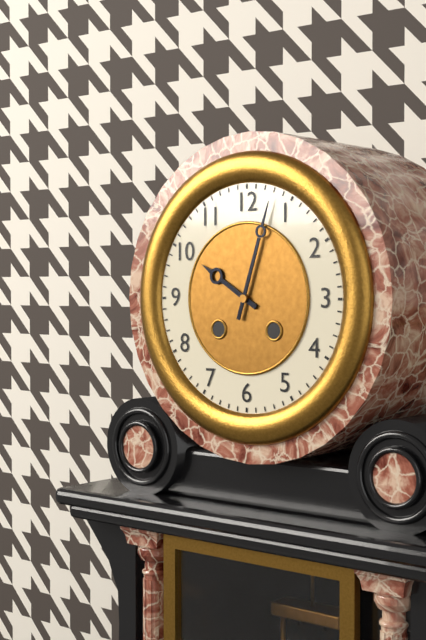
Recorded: h=10 m=3
